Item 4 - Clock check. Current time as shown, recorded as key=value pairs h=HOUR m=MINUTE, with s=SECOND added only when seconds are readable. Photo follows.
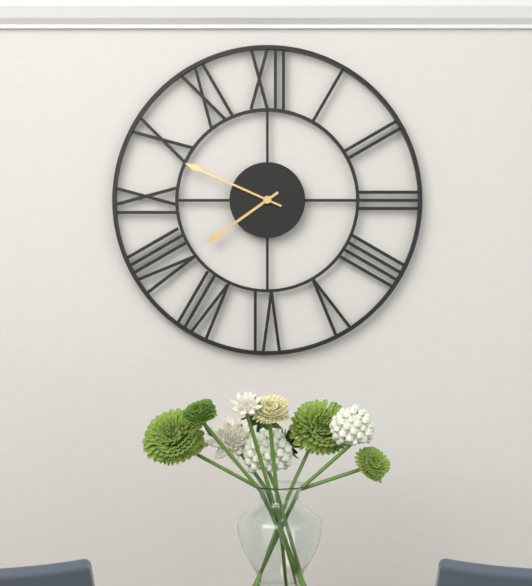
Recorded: h=7 m=49
